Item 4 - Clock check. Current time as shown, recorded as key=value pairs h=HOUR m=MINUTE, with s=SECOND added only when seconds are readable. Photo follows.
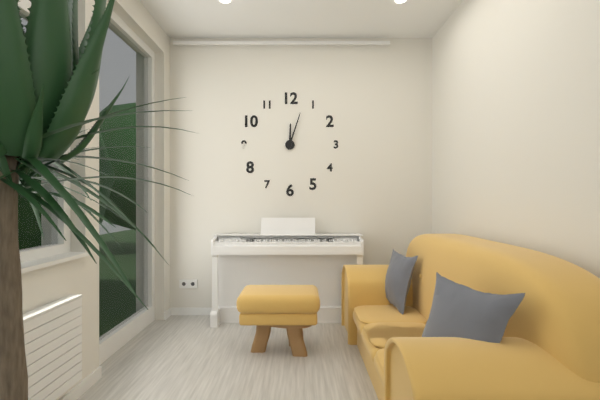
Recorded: h=12 m=3
